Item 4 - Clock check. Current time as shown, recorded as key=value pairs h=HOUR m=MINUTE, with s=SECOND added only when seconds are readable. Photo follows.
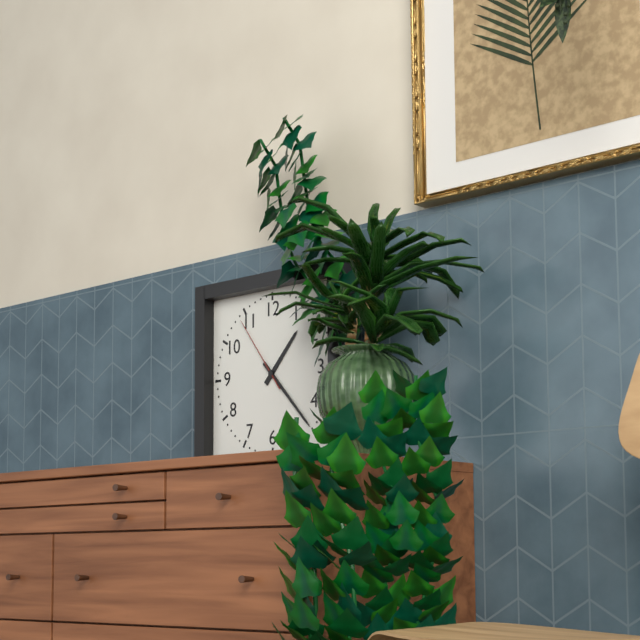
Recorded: h=1 m=23 s=54
